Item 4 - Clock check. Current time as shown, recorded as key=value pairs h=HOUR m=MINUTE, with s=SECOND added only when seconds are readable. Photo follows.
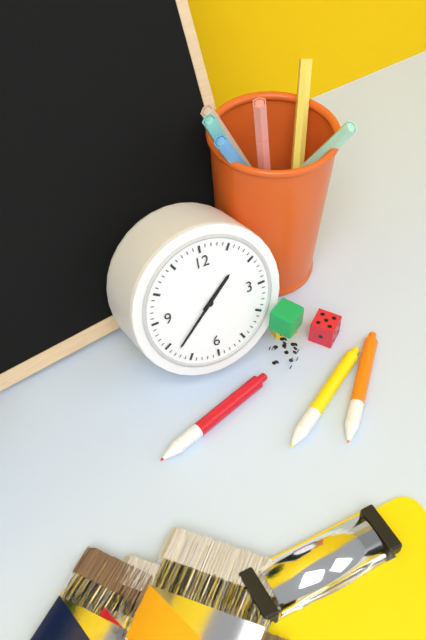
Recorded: h=1 m=38
